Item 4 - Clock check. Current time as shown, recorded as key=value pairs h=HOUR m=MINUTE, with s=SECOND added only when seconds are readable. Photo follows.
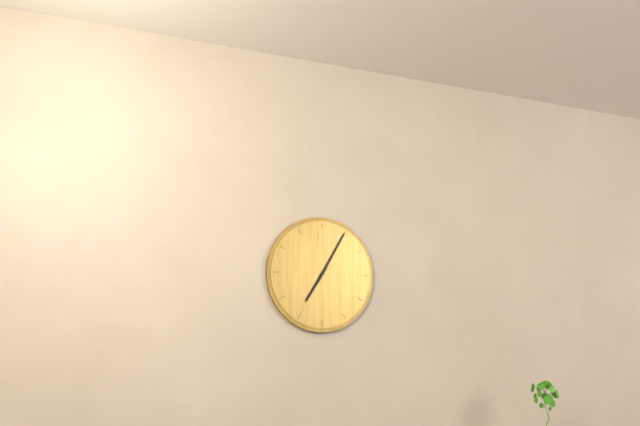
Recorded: h=7 m=5
